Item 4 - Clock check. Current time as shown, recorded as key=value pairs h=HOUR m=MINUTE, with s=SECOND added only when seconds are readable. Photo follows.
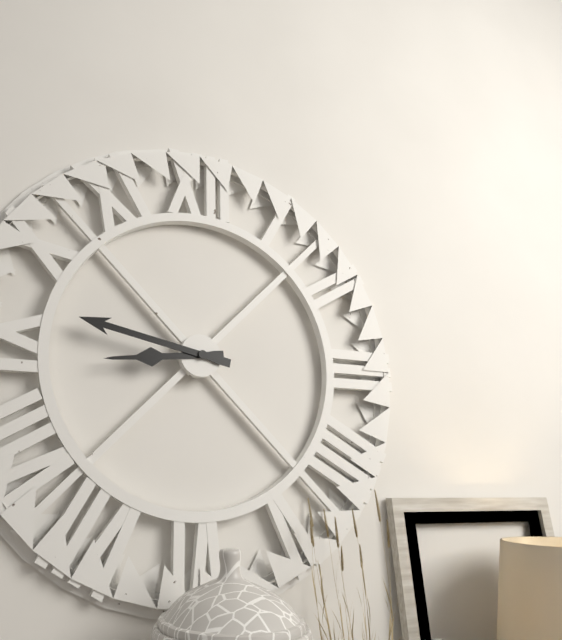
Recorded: h=8 m=47
